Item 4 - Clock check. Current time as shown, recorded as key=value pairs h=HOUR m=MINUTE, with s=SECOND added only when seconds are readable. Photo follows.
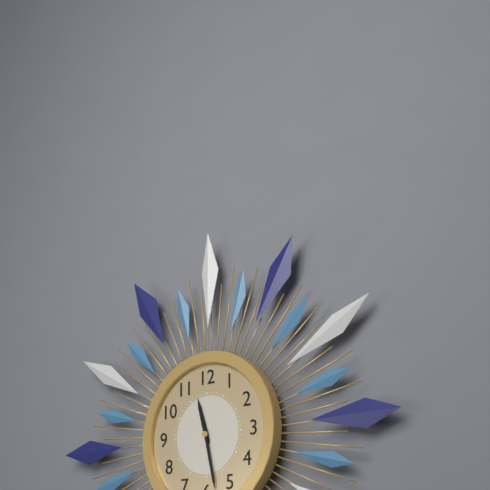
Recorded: h=11 m=28
